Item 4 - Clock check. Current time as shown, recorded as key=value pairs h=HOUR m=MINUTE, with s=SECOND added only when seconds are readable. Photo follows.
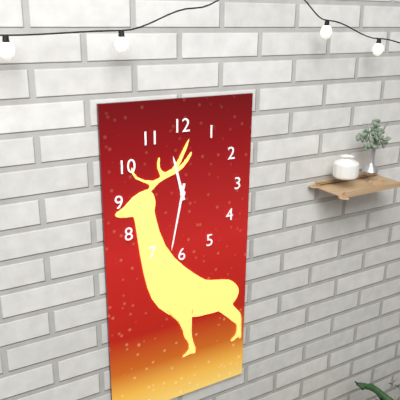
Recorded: h=11 m=32
